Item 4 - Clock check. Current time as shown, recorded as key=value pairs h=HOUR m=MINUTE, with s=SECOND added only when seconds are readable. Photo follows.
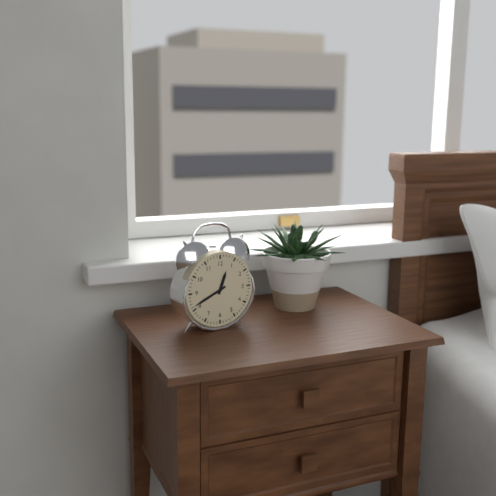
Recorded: h=12 m=41
